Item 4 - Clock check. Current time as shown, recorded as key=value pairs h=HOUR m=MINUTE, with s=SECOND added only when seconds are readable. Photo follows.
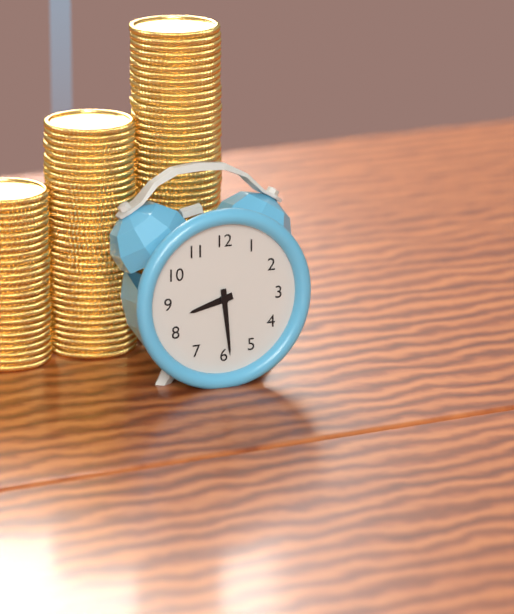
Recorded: h=8 m=29
